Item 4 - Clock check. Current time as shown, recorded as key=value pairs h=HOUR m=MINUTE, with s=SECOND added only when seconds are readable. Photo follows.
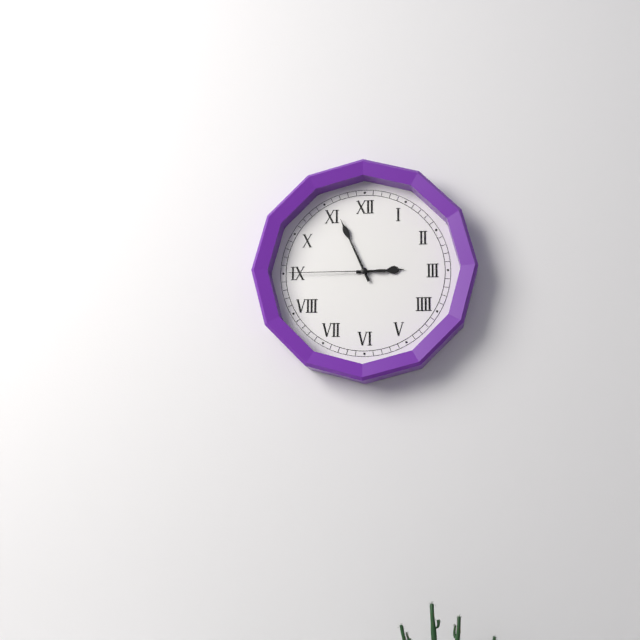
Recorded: h=2 m=56 s=45
